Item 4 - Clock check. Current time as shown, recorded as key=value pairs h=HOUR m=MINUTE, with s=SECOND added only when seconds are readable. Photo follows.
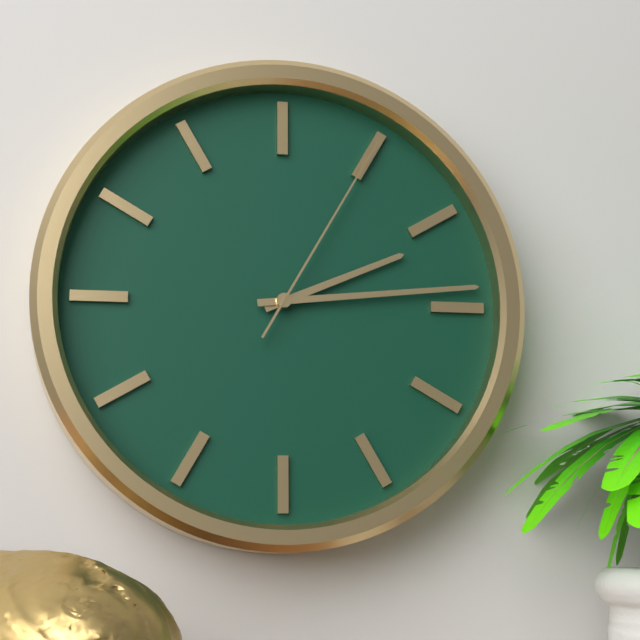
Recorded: h=2 m=14 s=5
